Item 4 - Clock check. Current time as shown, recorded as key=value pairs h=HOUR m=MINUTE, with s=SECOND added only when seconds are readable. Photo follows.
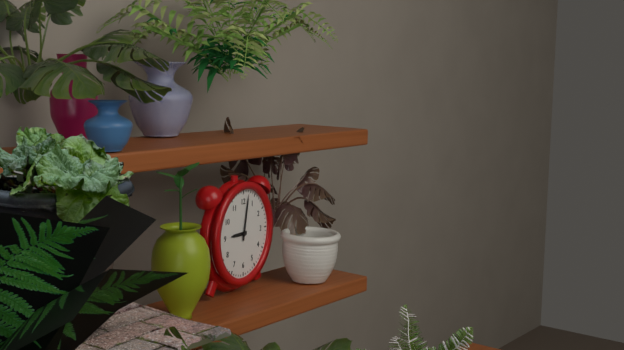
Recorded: h=9 m=2
